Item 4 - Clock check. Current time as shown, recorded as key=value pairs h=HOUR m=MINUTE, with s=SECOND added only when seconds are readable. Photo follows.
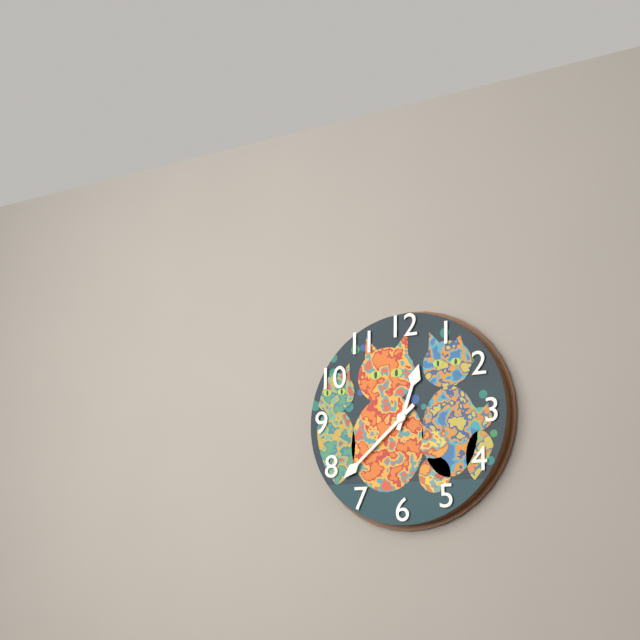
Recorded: h=12 m=38
